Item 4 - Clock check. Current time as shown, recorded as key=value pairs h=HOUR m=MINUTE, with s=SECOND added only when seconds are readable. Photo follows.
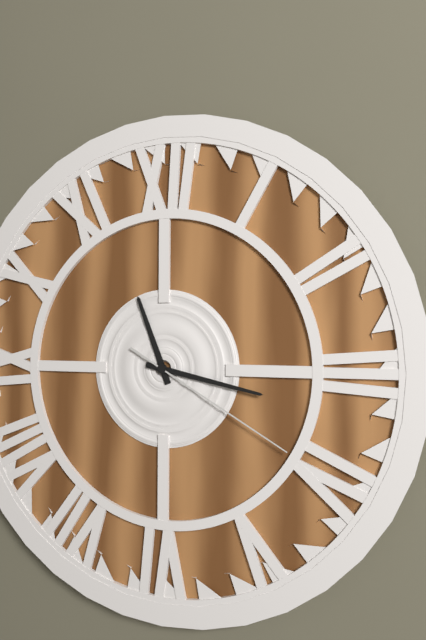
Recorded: h=11 m=17 s=20
